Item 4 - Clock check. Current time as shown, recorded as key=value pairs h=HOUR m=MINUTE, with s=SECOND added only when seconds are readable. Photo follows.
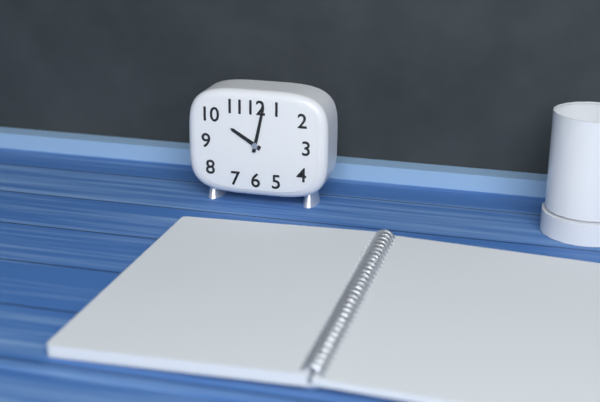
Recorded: h=10 m=2
